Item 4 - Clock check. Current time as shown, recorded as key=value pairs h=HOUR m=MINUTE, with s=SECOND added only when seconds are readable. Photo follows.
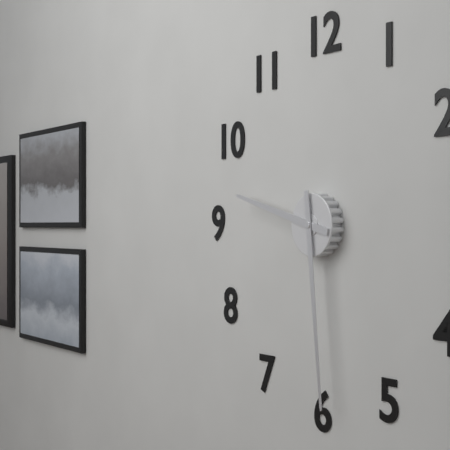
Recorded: h=9 m=29
